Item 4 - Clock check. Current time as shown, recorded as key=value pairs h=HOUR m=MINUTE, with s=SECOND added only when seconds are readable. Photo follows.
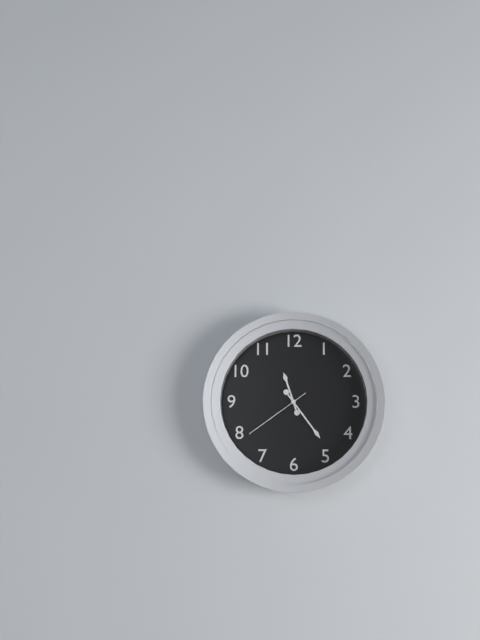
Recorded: h=11 m=24 s=39
